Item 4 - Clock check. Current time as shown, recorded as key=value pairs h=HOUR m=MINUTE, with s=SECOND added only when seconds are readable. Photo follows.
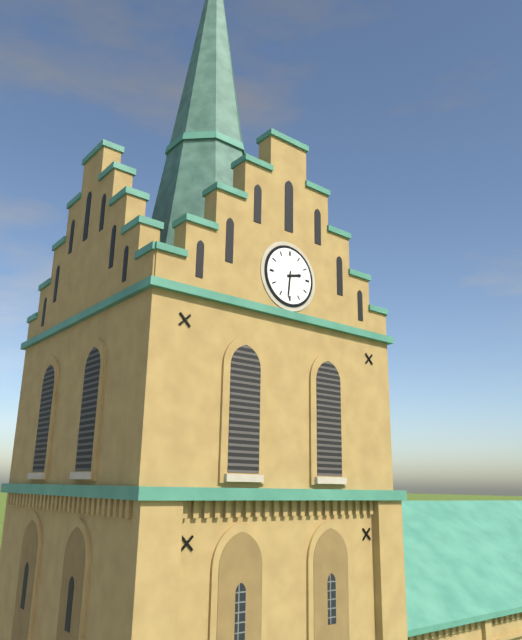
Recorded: h=2 m=31
